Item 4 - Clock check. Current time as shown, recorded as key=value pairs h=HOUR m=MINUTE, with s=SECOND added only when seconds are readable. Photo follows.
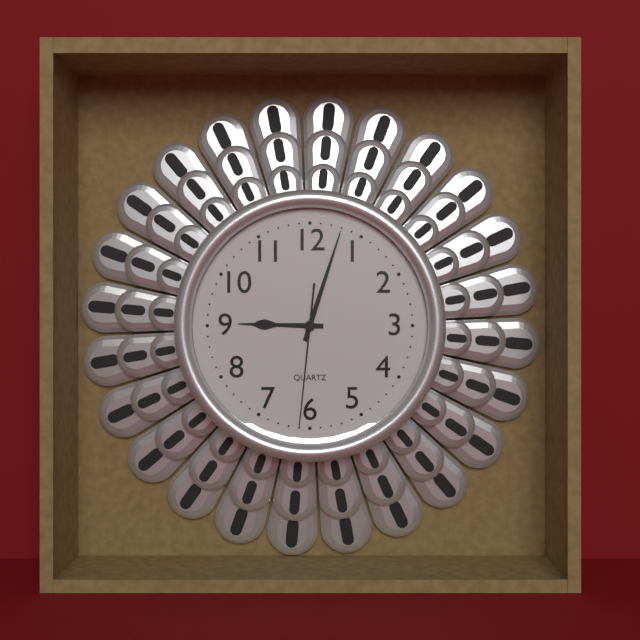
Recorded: h=9 m=3 s=31
